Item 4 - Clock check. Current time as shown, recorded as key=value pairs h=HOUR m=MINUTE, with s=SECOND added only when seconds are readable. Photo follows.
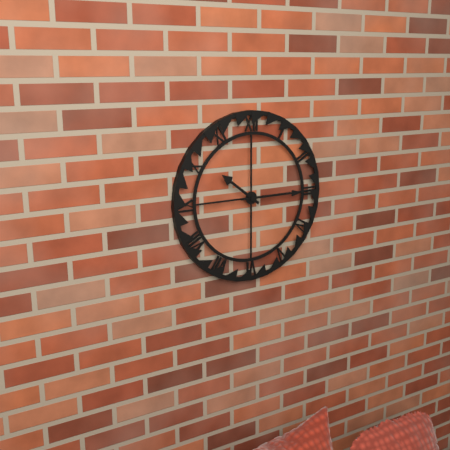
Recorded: h=10 m=15
